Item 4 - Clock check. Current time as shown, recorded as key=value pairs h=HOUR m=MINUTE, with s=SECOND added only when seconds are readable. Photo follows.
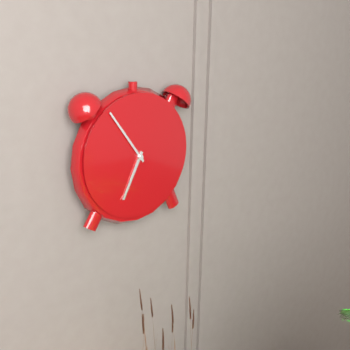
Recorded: h=6 m=54
